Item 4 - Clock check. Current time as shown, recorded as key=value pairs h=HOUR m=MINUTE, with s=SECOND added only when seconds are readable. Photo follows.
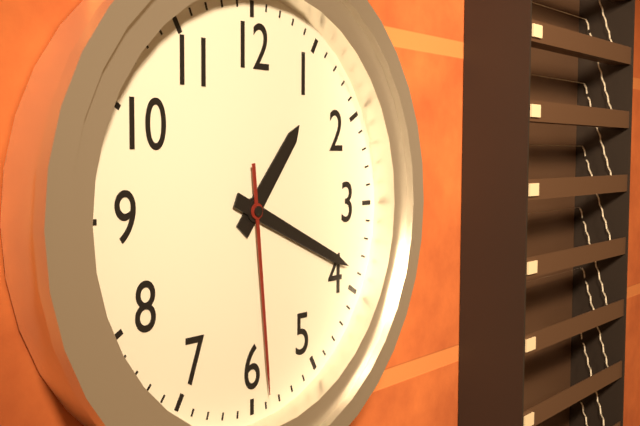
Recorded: h=1 m=19 s=29
